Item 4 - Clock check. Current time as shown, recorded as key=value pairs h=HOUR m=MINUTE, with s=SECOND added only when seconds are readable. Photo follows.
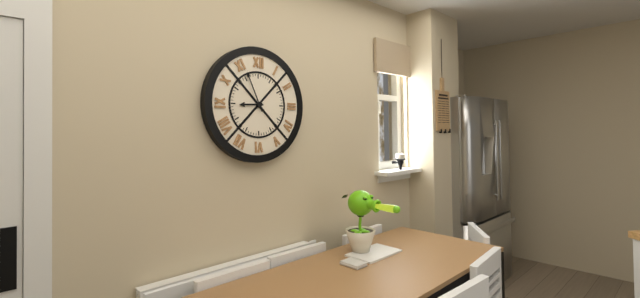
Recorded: h=8 m=56
